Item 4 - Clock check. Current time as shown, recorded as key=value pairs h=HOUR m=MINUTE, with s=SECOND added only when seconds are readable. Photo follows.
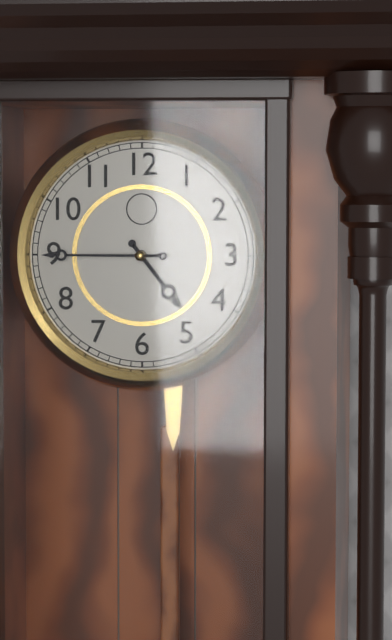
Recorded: h=4 m=45
